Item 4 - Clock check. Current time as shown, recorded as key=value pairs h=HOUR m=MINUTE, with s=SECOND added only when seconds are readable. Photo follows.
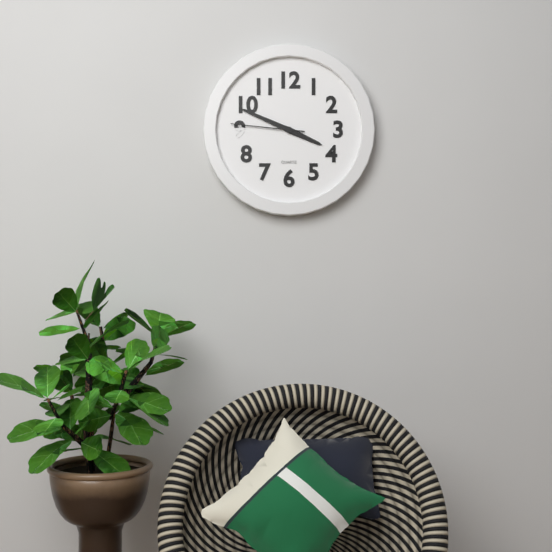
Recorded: h=3 m=49 s=46
